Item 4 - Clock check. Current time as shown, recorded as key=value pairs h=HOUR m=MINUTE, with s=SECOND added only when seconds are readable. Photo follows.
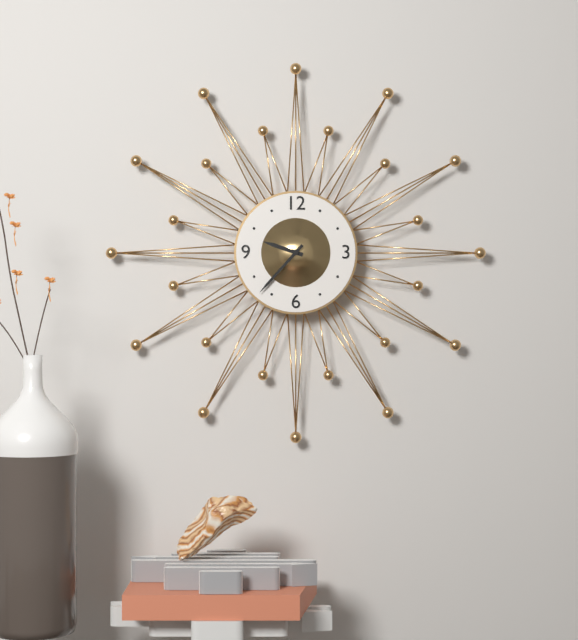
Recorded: h=9 m=37
